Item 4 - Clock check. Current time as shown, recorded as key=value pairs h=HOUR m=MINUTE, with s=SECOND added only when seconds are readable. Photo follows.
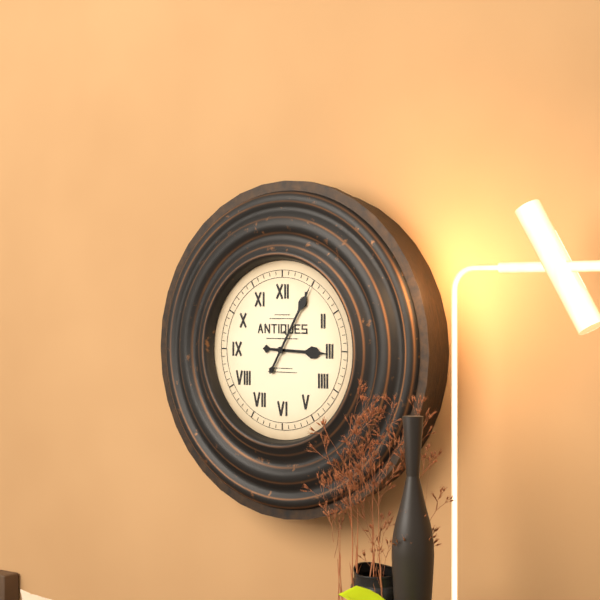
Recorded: h=3 m=5
